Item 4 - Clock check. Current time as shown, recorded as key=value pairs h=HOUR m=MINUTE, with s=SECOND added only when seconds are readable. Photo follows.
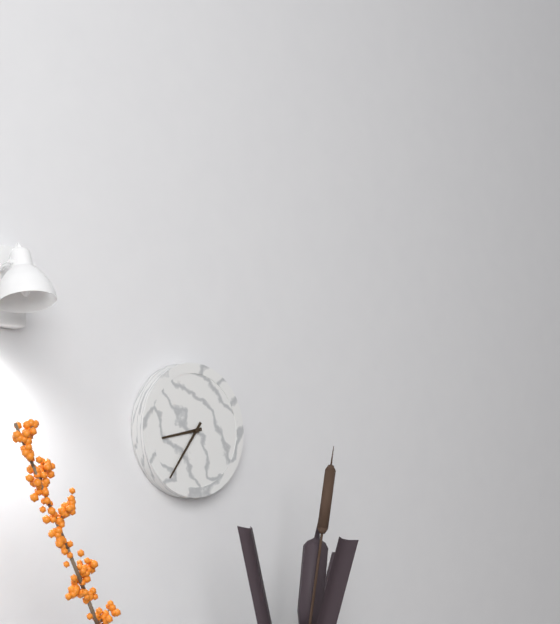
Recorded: h=8 m=36
